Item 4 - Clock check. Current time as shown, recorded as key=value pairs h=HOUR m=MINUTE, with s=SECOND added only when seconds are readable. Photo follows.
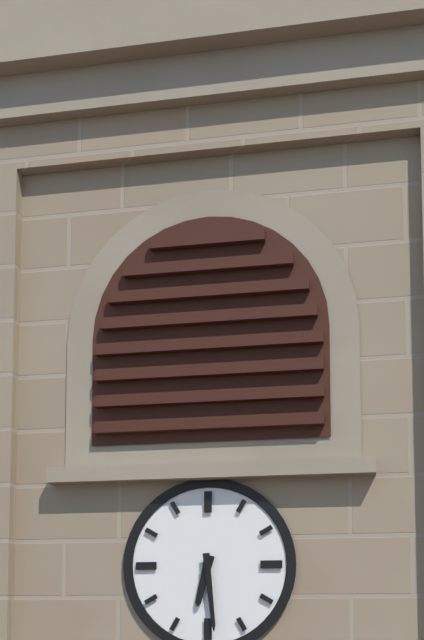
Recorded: h=6 m=29
